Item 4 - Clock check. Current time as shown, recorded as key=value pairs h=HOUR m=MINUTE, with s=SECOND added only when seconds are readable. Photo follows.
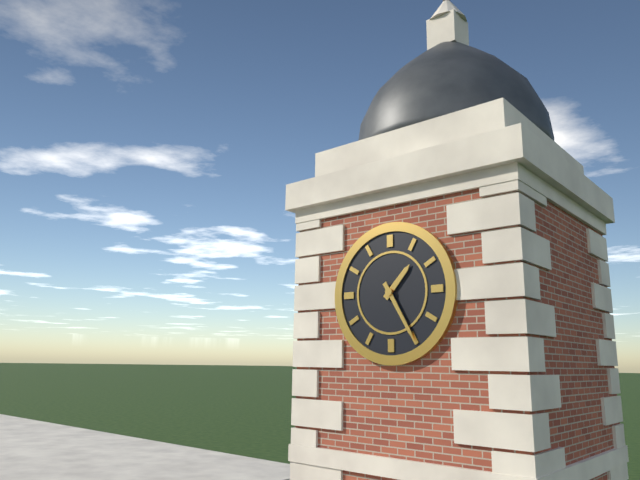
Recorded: h=1 m=25
